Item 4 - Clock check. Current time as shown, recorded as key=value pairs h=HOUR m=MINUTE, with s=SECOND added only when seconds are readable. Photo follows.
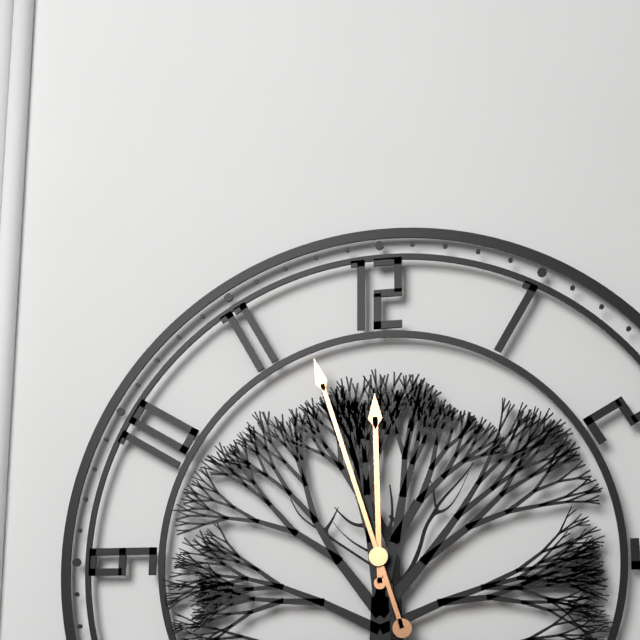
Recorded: h=11 m=57
